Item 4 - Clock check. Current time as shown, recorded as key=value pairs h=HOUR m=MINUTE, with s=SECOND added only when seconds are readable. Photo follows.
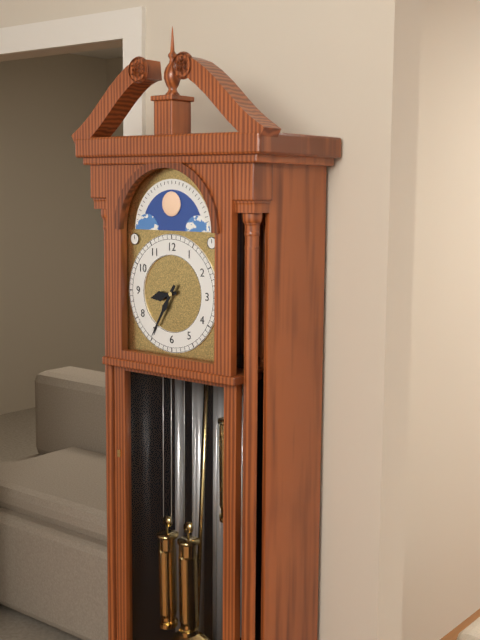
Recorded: h=8 m=35
